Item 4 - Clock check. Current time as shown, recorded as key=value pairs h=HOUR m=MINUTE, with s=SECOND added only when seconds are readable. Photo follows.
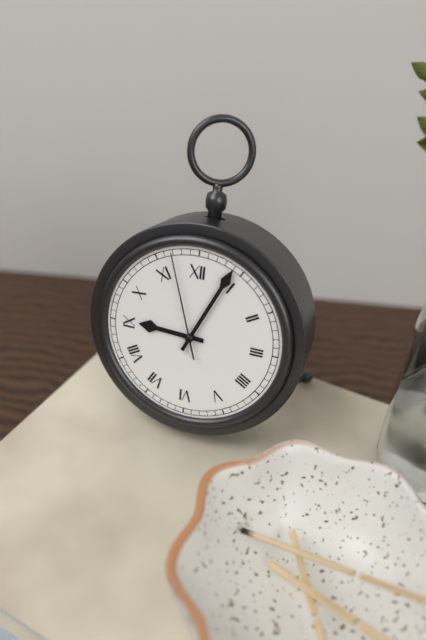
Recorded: h=9 m=4 s=57
